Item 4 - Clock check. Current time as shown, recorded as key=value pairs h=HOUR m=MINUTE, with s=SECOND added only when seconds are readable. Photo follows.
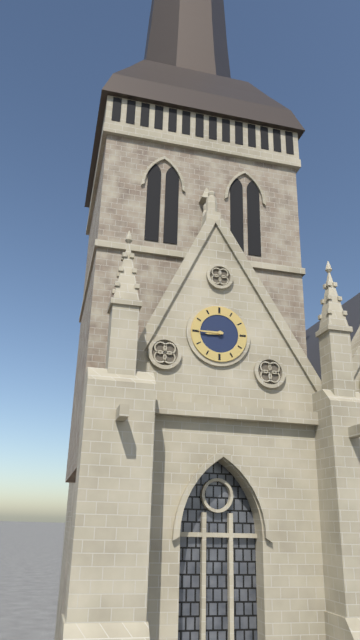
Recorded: h=8 m=45
